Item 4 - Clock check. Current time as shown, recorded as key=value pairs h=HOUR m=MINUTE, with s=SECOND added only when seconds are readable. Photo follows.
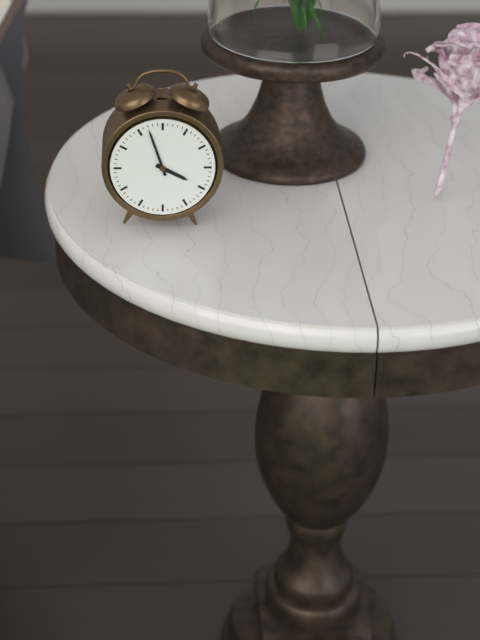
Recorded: h=3 m=57
